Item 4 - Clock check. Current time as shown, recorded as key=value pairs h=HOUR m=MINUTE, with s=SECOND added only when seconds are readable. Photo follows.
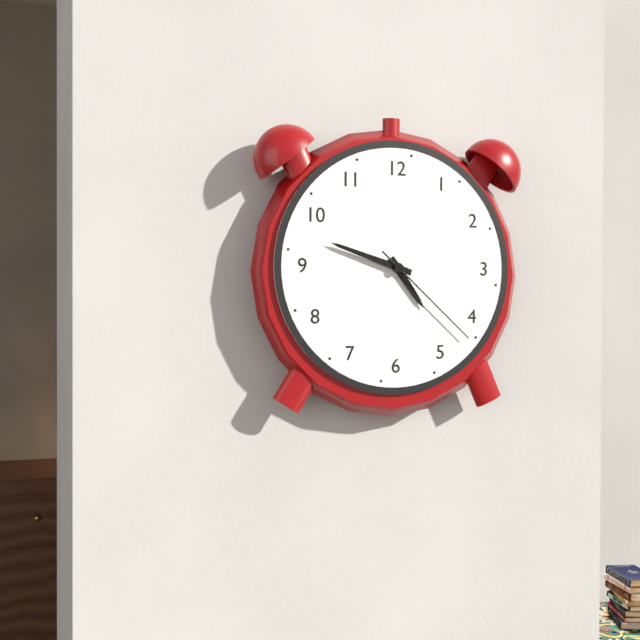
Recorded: h=4 m=48 s=22
